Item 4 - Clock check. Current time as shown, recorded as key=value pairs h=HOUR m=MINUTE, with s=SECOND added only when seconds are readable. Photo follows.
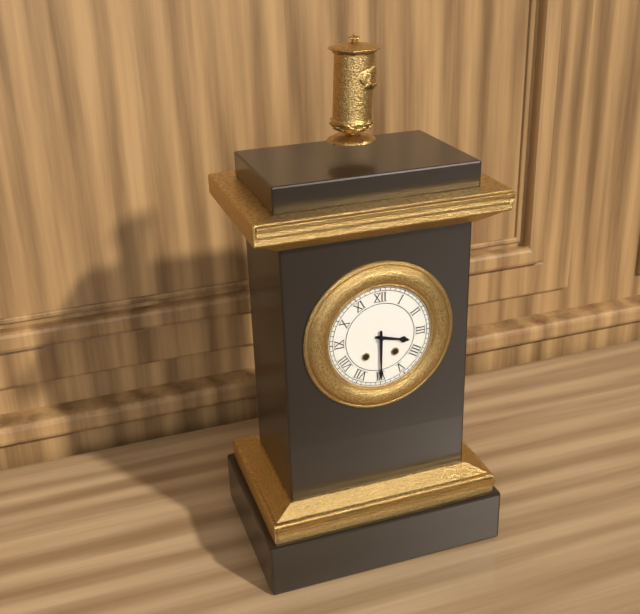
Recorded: h=3 m=30
